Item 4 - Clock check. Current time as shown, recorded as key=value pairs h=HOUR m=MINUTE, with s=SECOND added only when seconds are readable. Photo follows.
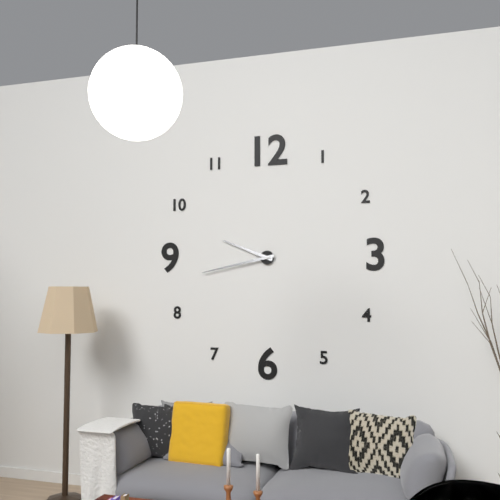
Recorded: h=9 m=43
